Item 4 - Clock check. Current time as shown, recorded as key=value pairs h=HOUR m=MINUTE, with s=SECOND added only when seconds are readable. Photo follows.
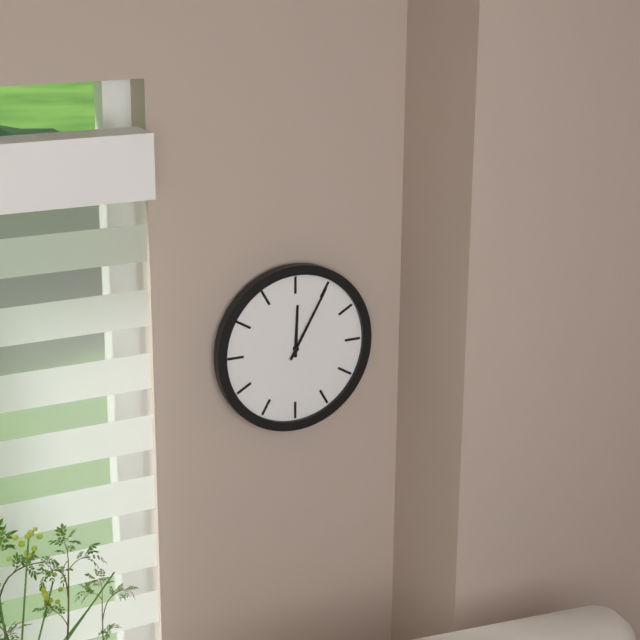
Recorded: h=12 m=5
